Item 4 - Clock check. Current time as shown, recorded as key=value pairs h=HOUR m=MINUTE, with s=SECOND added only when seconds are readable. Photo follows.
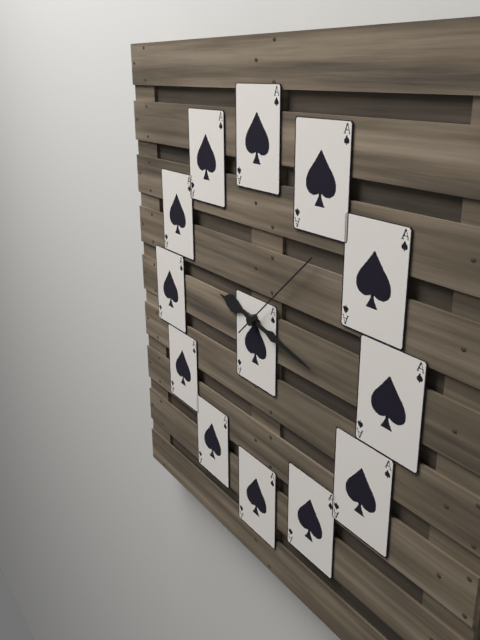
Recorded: h=9 m=17 s=8
